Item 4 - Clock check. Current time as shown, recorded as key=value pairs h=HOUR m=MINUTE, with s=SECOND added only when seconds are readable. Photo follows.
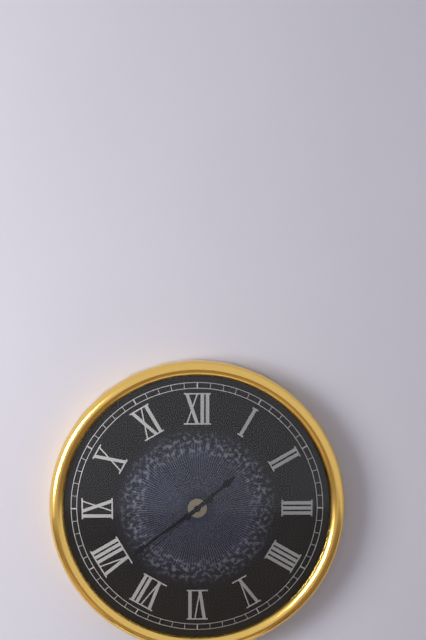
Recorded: h=1 m=39 s=38
